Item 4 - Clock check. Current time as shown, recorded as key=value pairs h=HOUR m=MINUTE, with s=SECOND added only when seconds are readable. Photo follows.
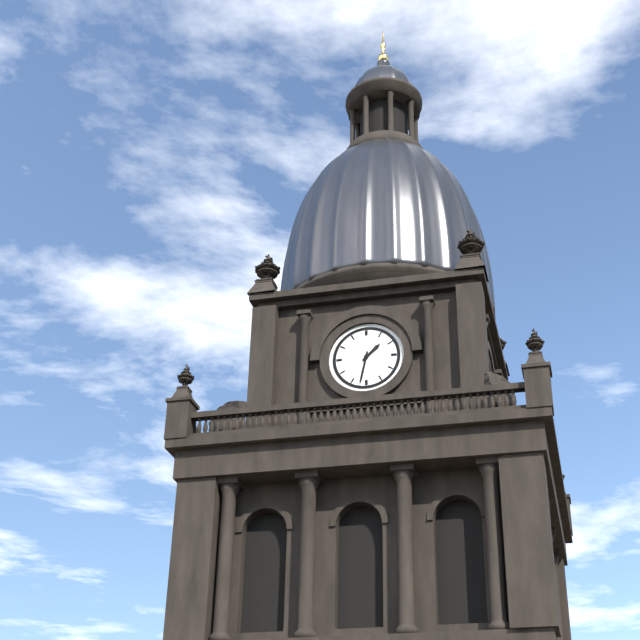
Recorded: h=1 m=32
